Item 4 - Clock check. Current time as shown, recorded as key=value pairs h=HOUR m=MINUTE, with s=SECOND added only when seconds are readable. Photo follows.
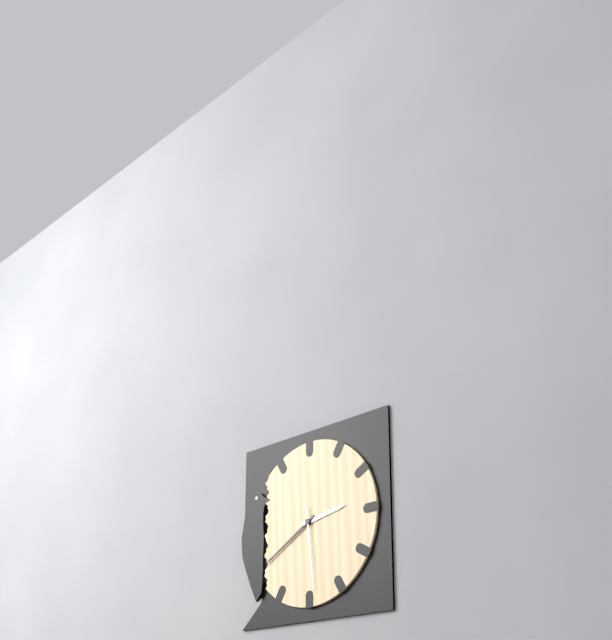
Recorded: h=2 m=40 s=29
